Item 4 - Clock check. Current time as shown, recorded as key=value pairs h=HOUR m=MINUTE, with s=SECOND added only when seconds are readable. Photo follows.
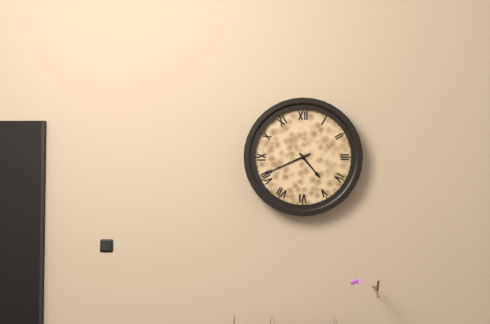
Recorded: h=4 m=41
